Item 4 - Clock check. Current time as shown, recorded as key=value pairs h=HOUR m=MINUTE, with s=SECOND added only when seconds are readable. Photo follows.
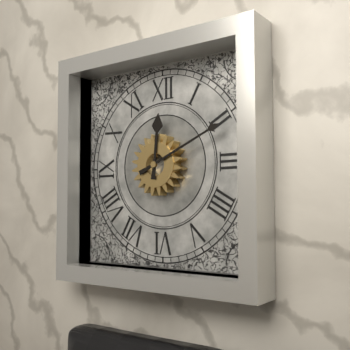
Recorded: h=12 m=11
